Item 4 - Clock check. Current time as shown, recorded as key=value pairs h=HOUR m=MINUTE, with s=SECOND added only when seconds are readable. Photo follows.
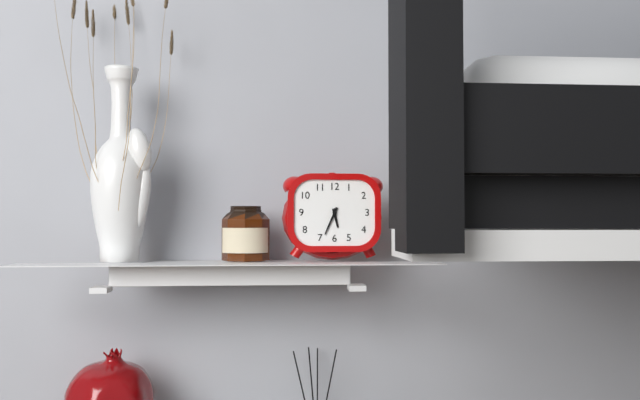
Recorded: h=5 m=34
